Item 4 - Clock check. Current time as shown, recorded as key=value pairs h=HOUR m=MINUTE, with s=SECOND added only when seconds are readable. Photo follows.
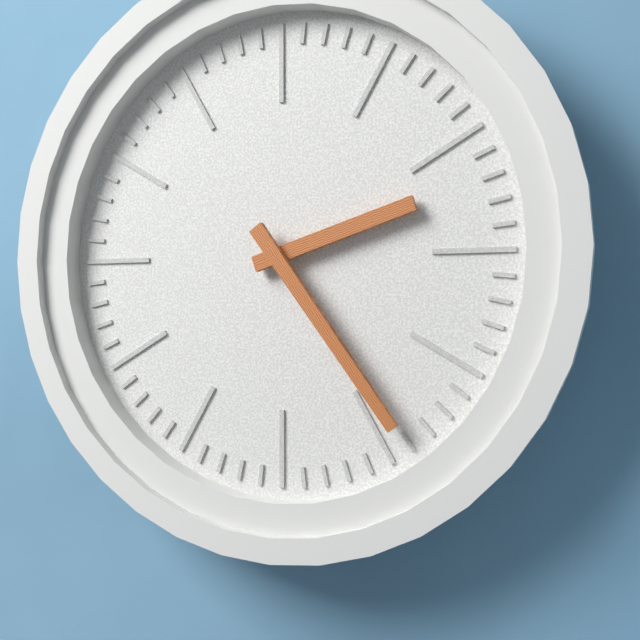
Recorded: h=2 m=24
